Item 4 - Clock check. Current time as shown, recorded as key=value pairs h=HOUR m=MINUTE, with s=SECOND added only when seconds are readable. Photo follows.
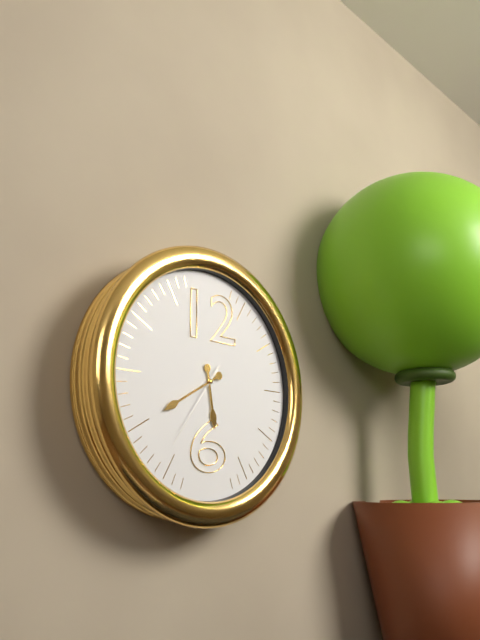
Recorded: h=5 m=40 s=36
